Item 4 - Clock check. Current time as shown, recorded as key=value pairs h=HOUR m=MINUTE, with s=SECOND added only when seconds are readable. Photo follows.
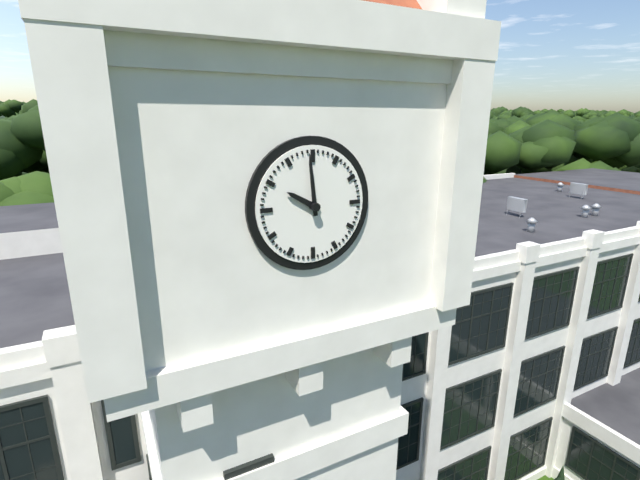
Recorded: h=9 m=59
